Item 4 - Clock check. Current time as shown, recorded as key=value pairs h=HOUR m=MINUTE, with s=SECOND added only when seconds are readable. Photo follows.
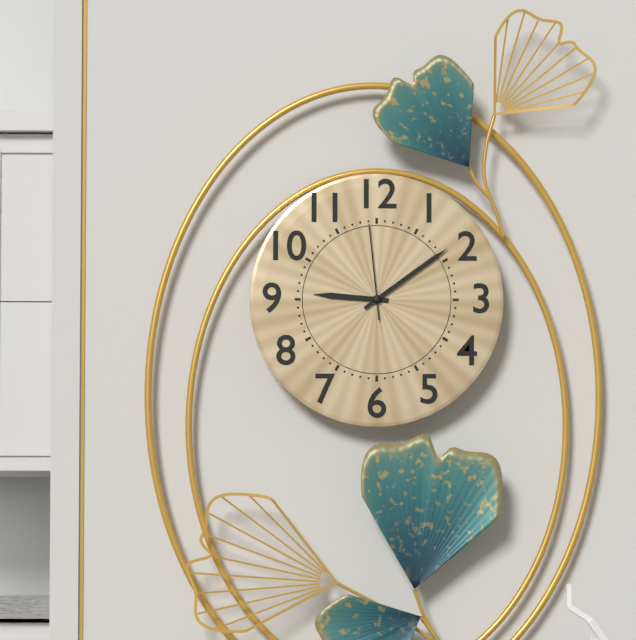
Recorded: h=9 m=9 s=59
